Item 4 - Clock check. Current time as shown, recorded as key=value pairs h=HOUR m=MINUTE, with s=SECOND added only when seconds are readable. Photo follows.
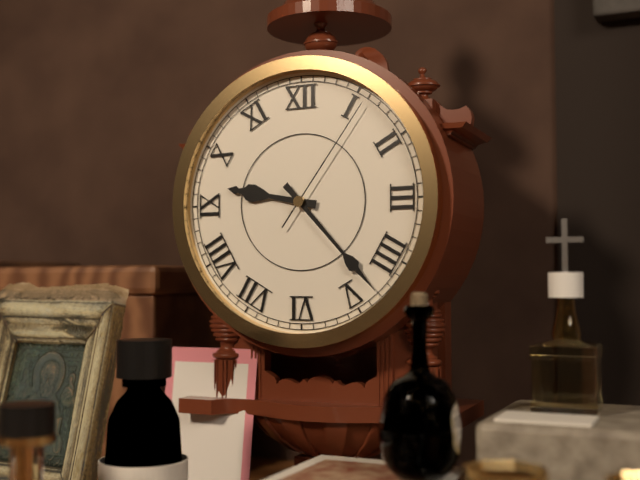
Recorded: h=9 m=23 s=6
